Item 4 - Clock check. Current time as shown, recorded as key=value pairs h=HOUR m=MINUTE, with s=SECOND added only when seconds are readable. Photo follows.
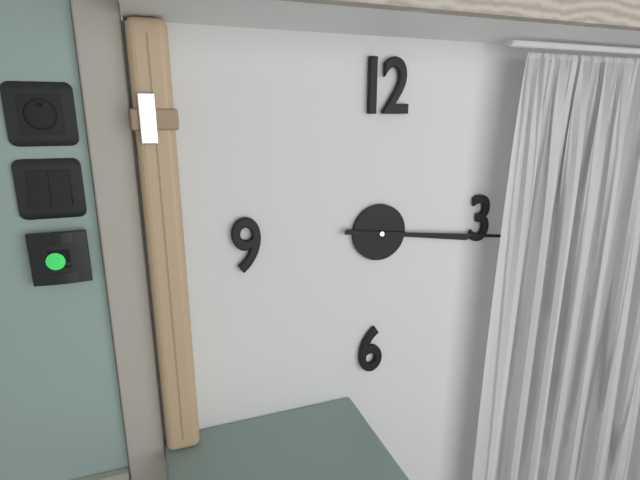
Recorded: h=3 m=16
